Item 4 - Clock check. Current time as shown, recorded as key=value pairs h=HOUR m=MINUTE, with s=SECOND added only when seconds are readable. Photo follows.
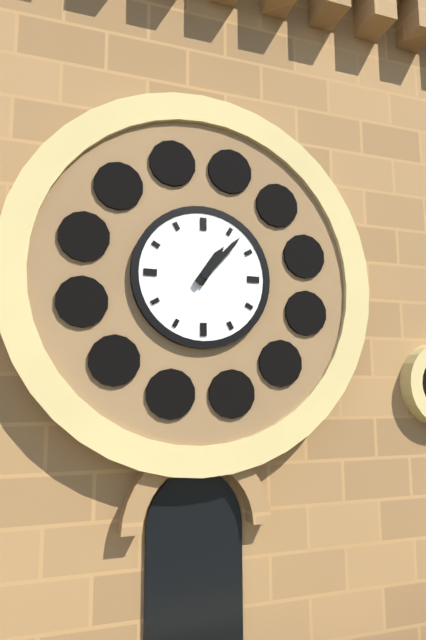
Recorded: h=1 m=7
